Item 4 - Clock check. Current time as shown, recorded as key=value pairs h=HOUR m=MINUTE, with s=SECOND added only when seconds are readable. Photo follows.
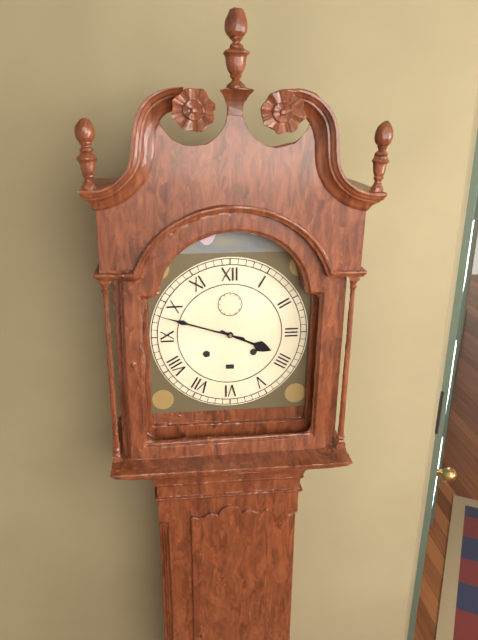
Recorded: h=3 m=48
